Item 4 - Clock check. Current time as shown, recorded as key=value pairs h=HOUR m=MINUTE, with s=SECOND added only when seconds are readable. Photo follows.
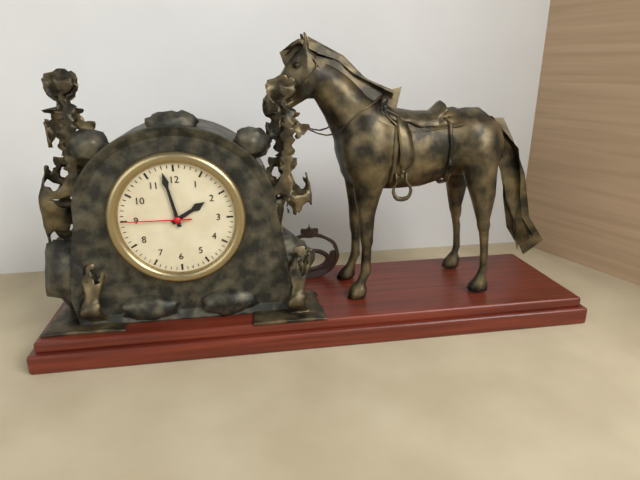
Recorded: h=1 m=58 s=45
